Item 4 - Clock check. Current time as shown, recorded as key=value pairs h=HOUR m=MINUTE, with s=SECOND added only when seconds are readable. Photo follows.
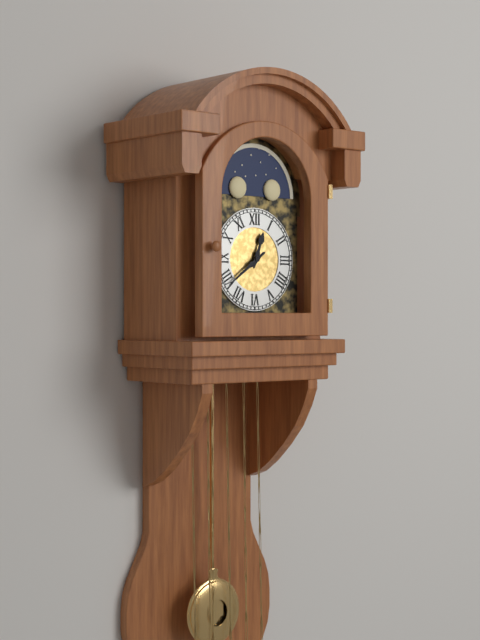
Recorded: h=12 m=39
